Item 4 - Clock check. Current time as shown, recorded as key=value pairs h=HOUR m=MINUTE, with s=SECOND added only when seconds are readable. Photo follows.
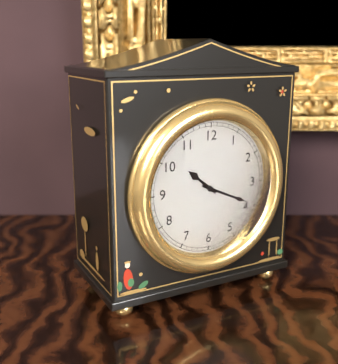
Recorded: h=10 m=19
